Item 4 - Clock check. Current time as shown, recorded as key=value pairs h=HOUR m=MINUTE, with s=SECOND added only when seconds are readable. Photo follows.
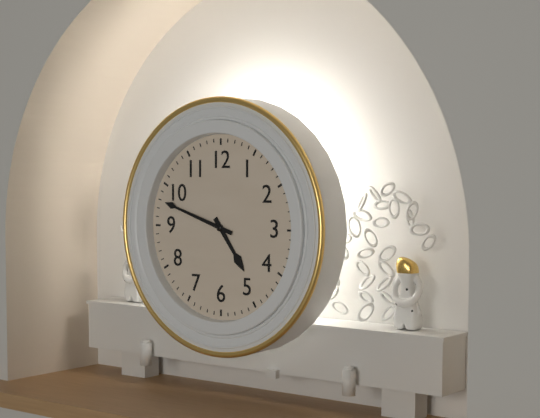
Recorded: h=4 m=48
